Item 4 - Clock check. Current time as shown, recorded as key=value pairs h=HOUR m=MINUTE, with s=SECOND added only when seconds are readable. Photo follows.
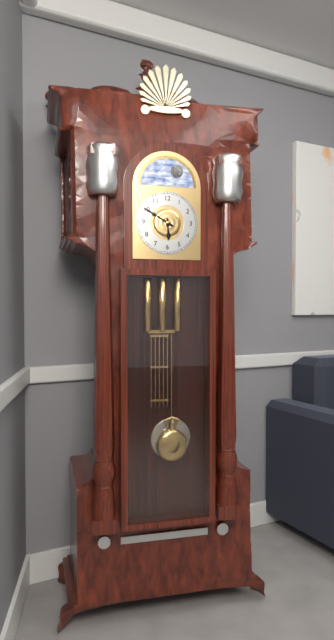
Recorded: h=5 m=50
